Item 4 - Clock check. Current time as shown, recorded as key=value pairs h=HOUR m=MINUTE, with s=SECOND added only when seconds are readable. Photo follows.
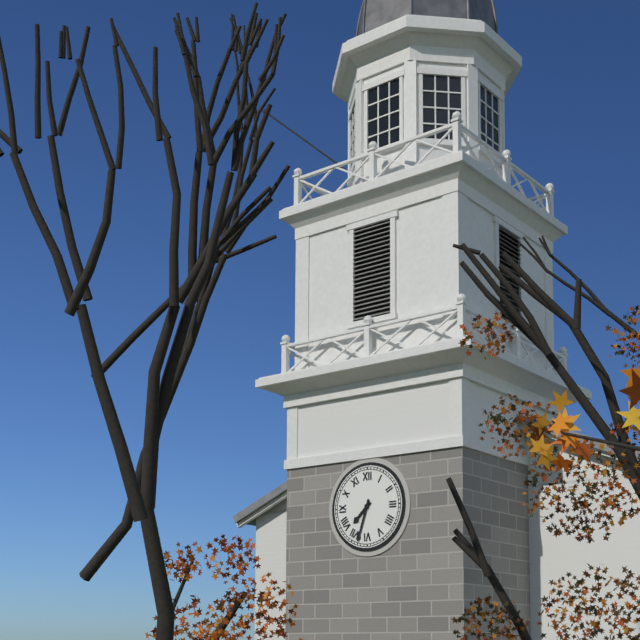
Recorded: h=7 m=33
